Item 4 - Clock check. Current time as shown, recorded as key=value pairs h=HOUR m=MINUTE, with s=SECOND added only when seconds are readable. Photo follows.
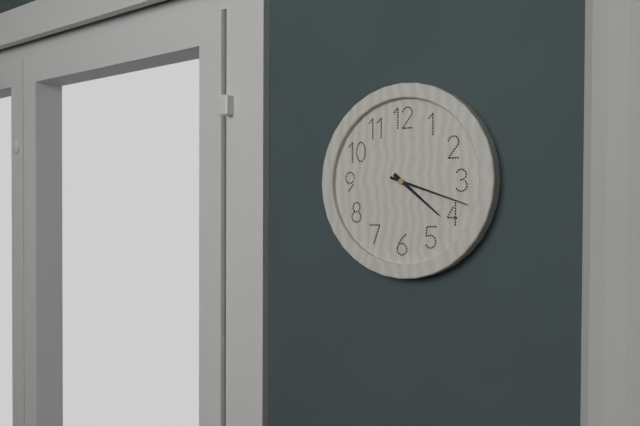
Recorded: h=4 m=18
